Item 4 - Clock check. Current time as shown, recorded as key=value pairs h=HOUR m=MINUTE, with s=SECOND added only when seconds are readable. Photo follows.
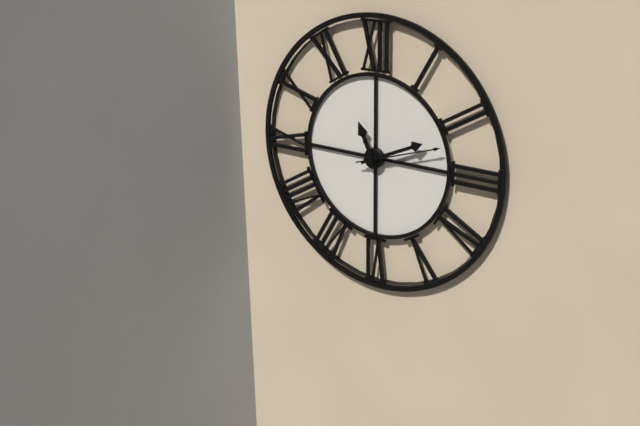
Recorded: h=11 m=11 s=12
